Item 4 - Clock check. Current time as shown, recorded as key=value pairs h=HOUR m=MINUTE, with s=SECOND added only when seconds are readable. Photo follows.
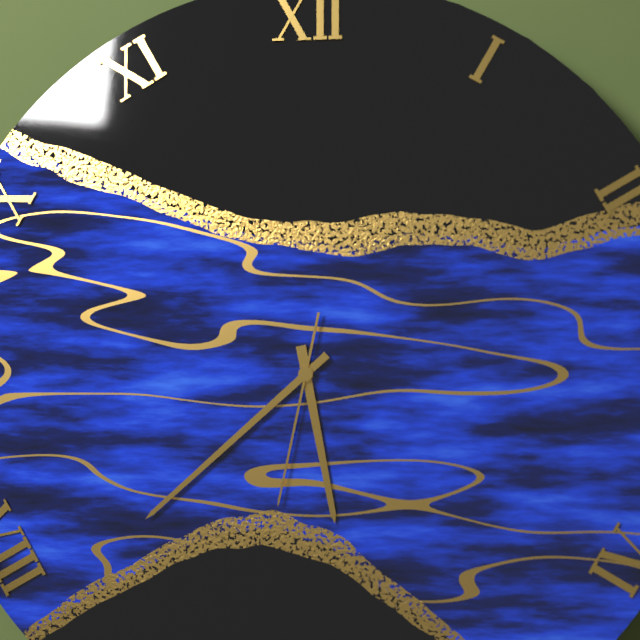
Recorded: h=5 m=38 s=32
